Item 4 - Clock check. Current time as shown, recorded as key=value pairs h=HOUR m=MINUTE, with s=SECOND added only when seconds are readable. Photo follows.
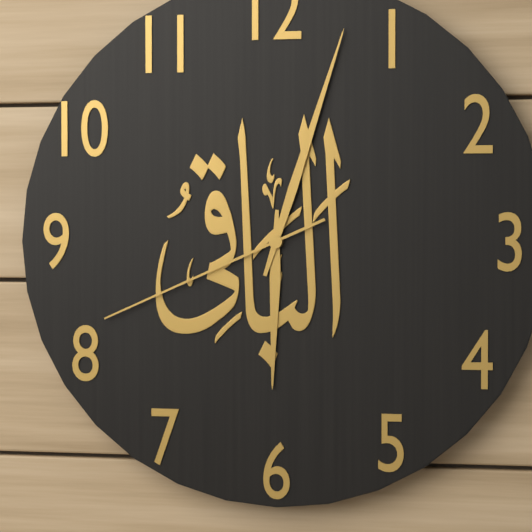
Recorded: h=6 m=3 s=41
